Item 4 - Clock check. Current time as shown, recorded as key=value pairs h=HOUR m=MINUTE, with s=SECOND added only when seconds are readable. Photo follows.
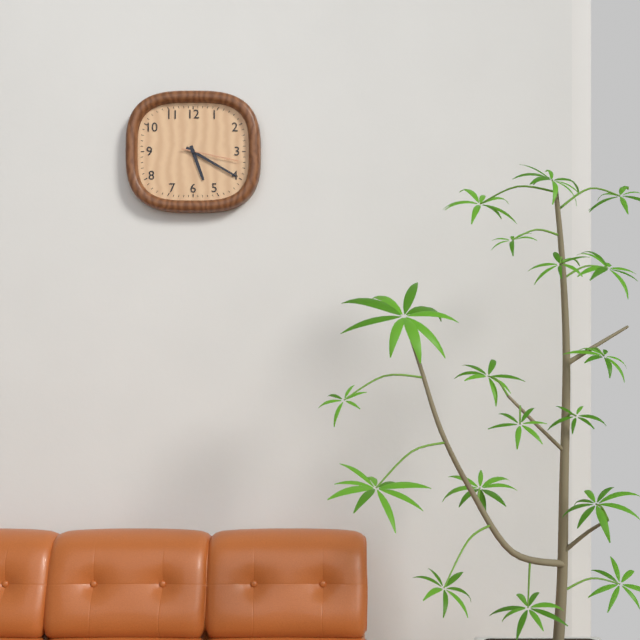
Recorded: h=5 m=20 s=17
